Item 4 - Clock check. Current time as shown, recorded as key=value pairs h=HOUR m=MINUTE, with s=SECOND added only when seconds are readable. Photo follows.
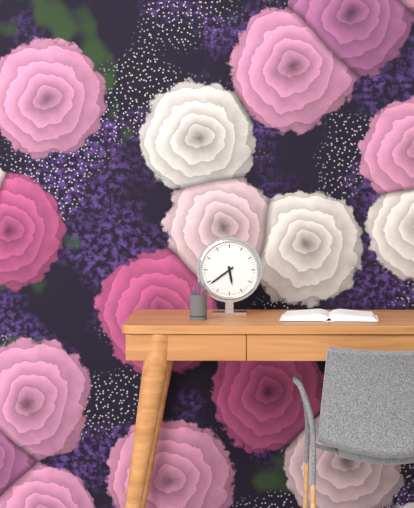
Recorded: h=5 m=39
